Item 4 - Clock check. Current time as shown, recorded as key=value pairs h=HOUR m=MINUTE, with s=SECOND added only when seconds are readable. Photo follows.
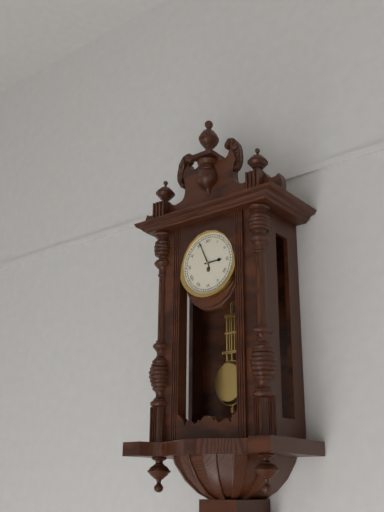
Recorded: h=2 m=56
